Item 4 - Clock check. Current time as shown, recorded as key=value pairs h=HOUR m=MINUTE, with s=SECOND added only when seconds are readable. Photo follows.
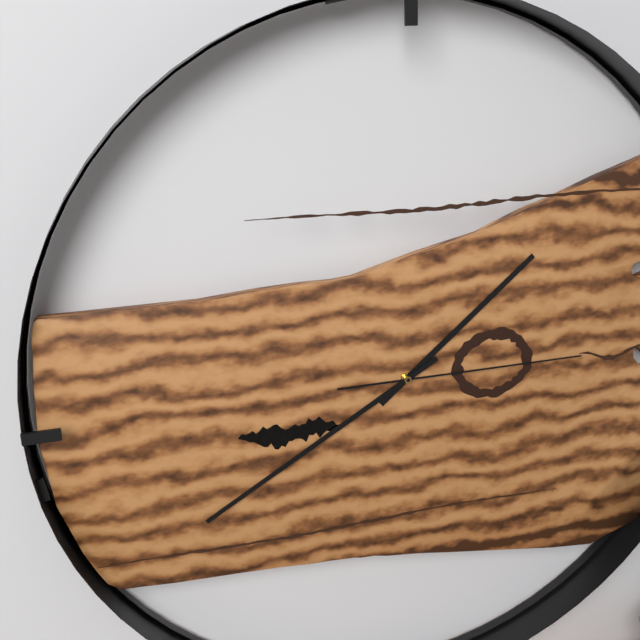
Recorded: h=1 m=40 s=15
